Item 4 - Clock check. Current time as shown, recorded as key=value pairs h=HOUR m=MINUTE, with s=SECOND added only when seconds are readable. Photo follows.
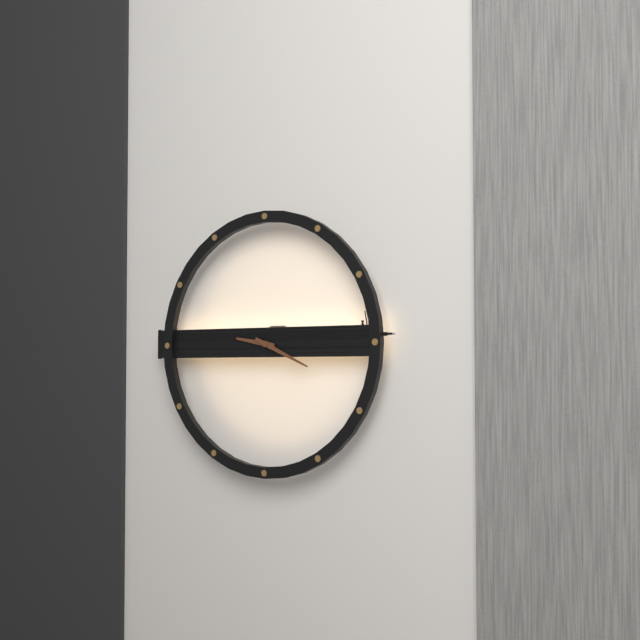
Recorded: h=9 m=19
